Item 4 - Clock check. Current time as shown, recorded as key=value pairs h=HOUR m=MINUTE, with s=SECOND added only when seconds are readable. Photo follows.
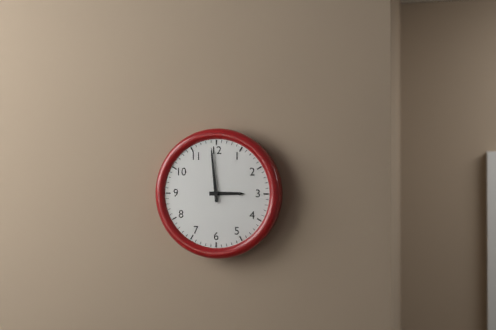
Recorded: h=2 m=59
